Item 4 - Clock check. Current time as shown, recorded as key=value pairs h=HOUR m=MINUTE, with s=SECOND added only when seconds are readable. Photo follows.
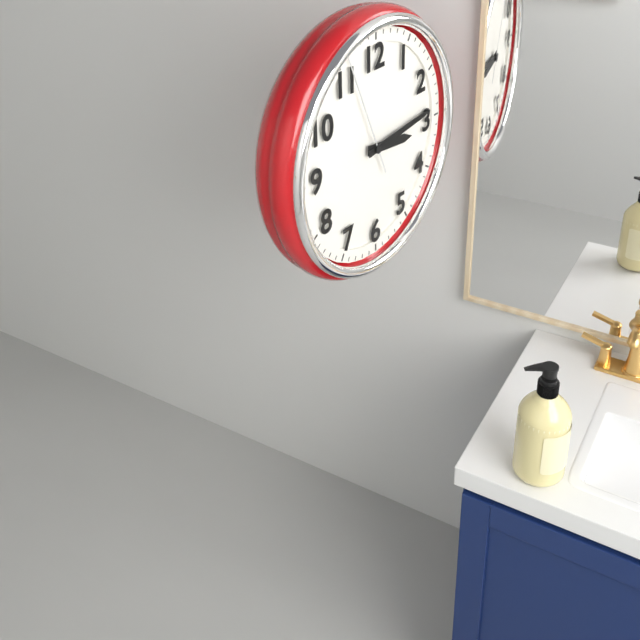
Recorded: h=3 m=14 s=56
